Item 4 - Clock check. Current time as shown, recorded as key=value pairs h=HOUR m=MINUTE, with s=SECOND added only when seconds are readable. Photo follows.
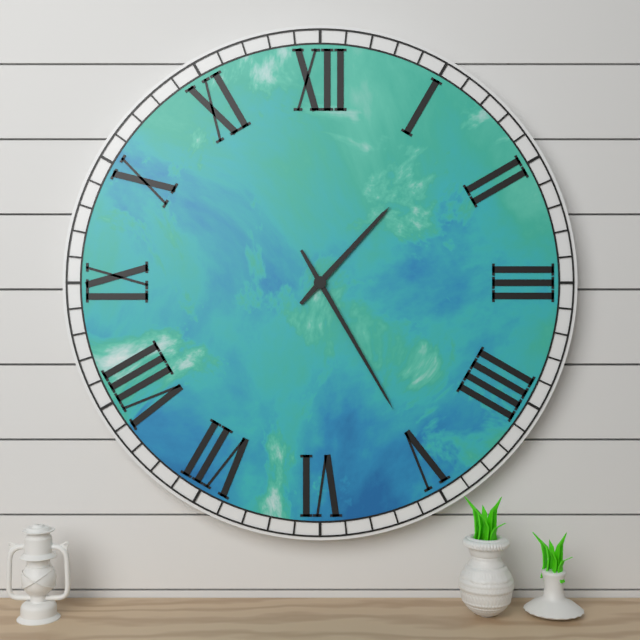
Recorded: h=1 m=25
